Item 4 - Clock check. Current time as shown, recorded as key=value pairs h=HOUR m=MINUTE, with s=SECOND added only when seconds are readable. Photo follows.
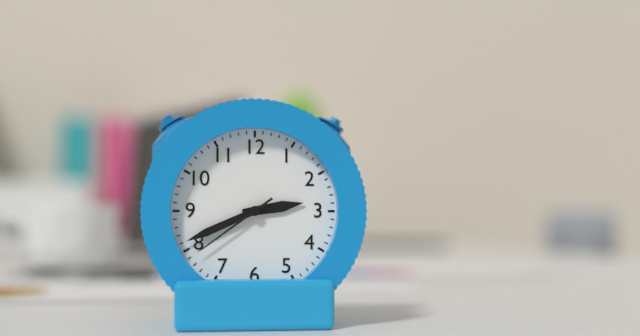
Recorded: h=2 m=41 s=39
